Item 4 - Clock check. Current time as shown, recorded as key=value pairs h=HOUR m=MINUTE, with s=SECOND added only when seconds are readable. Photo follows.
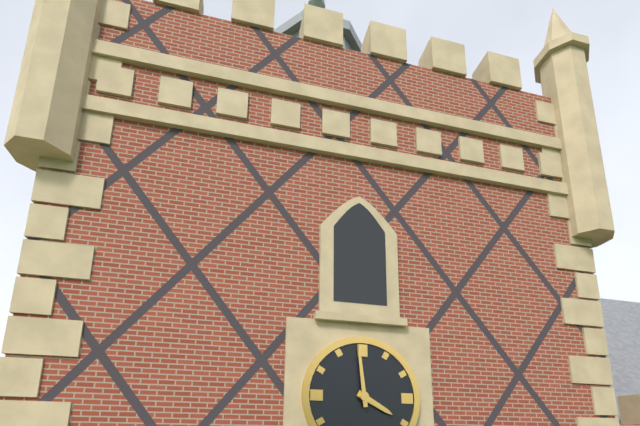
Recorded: h=3 m=59
